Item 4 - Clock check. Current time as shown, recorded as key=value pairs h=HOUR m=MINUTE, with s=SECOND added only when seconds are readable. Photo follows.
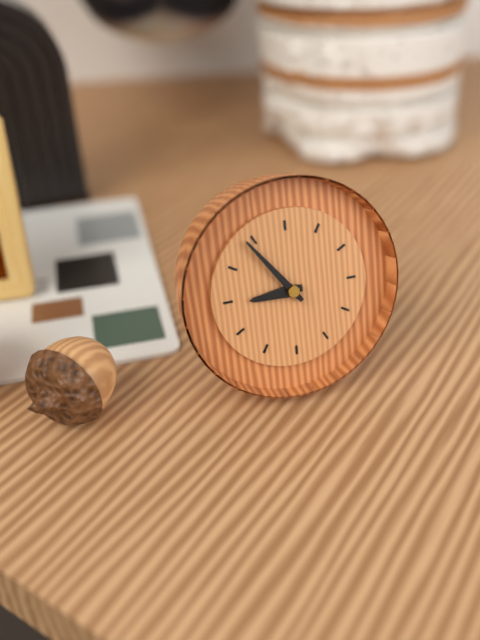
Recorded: h=8 m=54
